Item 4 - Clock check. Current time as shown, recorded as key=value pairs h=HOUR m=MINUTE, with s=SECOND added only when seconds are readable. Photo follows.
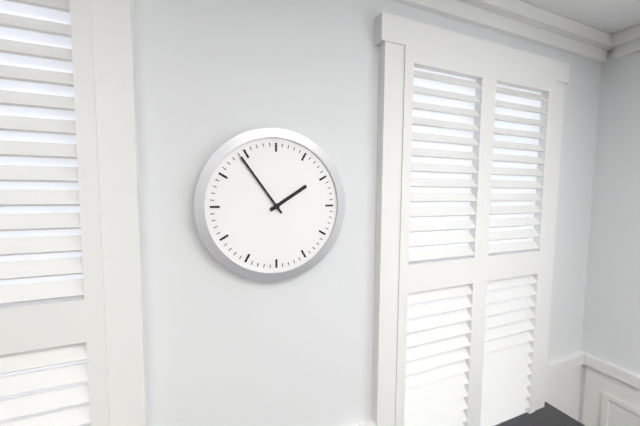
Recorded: h=1 m=54
